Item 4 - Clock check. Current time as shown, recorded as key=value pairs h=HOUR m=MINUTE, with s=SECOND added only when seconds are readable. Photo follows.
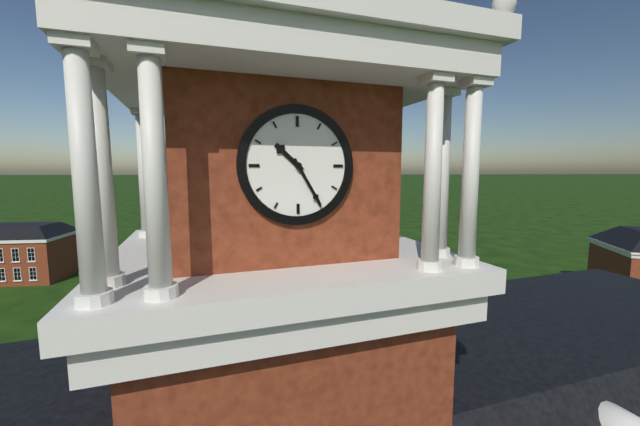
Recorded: h=10 m=25
